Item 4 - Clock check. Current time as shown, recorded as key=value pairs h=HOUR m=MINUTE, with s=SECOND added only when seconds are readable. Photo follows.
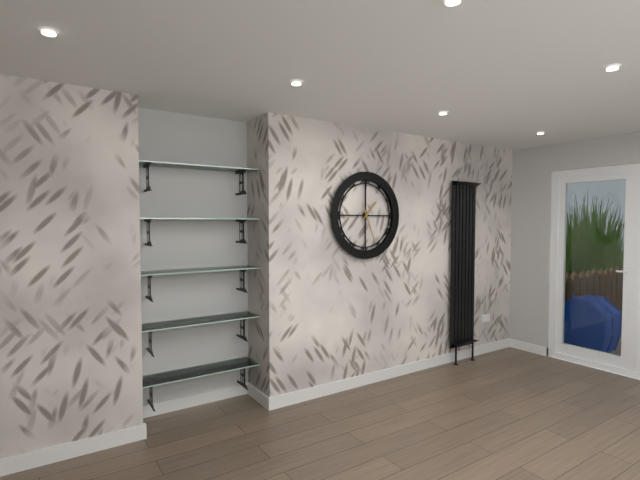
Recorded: h=1 m=26
